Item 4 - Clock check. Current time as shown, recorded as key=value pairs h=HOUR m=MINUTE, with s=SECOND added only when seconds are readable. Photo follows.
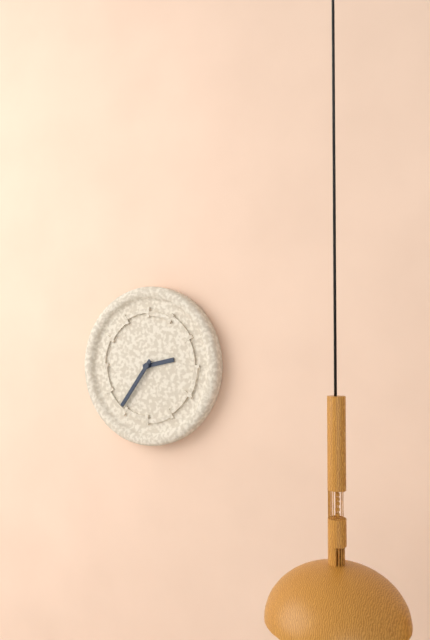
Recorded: h=2 m=36
